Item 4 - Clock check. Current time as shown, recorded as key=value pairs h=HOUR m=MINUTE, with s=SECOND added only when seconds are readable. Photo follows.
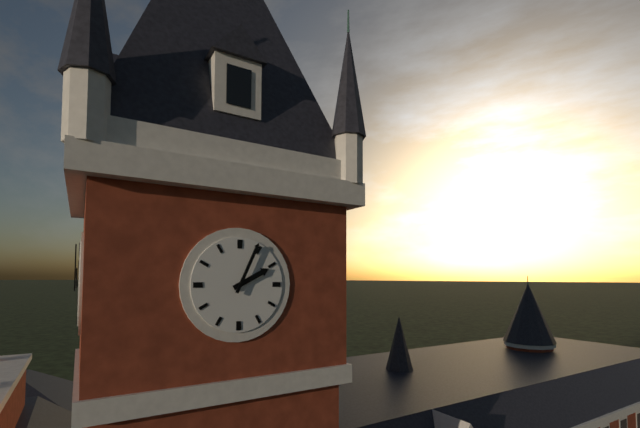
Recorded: h=2 m=4
